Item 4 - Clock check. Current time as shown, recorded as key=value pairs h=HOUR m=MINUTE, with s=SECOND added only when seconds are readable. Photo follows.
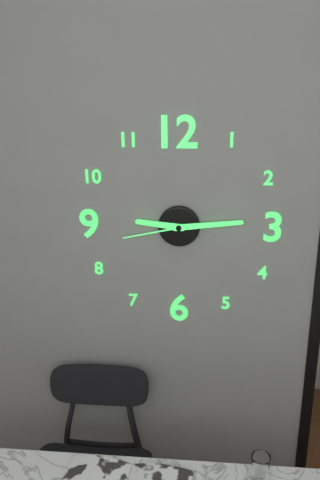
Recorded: h=9 m=14 s=43
